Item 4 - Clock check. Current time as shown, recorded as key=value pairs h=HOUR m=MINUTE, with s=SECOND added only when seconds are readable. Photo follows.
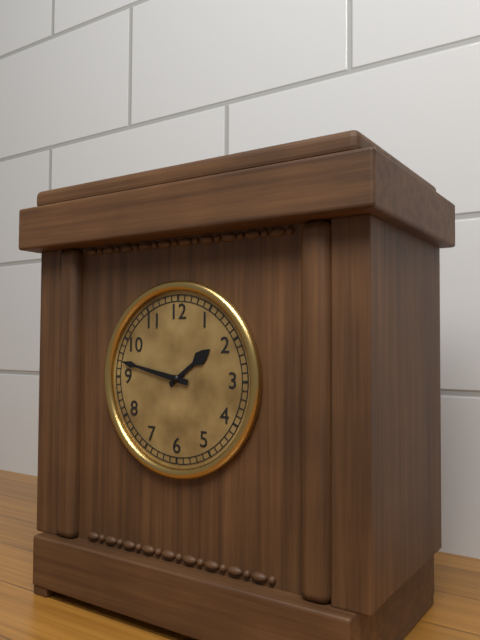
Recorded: h=1 m=47
